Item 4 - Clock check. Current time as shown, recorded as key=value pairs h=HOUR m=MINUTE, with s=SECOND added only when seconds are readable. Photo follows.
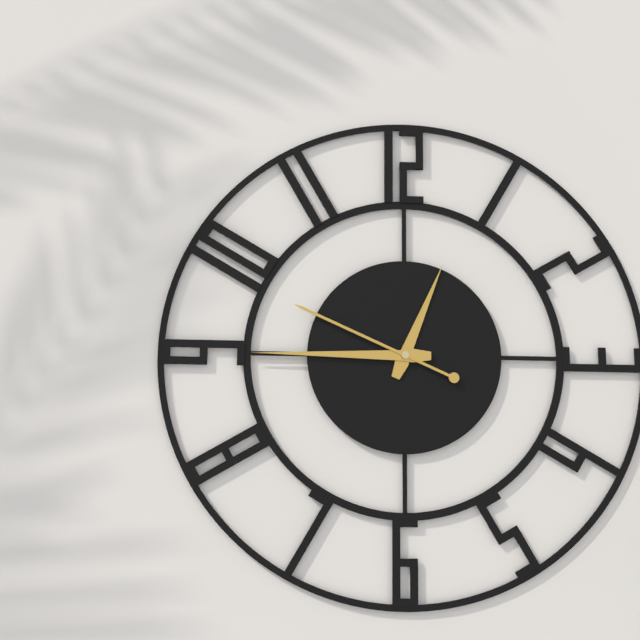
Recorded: h=12 m=45 s=49
